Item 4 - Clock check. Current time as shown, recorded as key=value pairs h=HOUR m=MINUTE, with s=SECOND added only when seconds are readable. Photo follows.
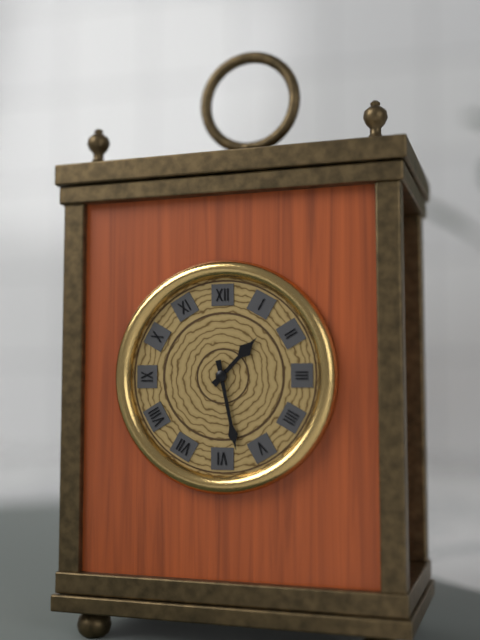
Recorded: h=1 m=28
